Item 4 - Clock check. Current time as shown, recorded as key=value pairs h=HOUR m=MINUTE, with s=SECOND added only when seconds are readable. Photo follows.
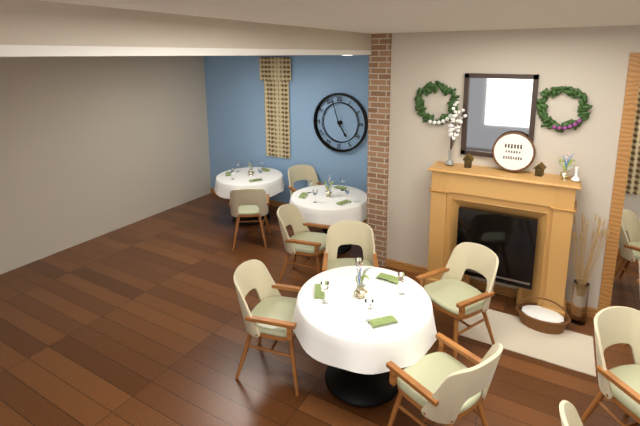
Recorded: h=4 m=57
